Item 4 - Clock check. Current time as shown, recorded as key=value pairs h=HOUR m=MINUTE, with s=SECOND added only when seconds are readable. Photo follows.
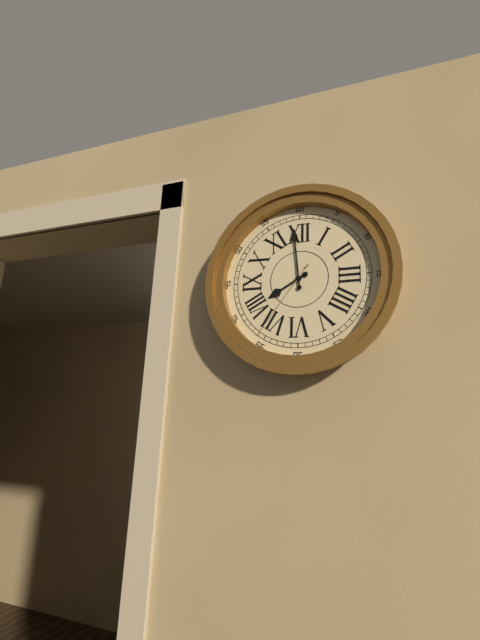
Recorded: h=7 m=59 s=36
